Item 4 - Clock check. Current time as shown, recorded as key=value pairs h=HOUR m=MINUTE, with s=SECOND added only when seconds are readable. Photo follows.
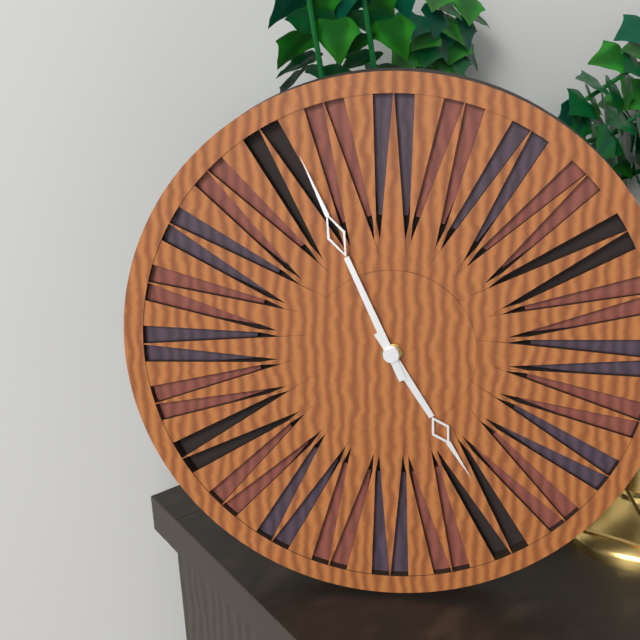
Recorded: h=4 m=56
